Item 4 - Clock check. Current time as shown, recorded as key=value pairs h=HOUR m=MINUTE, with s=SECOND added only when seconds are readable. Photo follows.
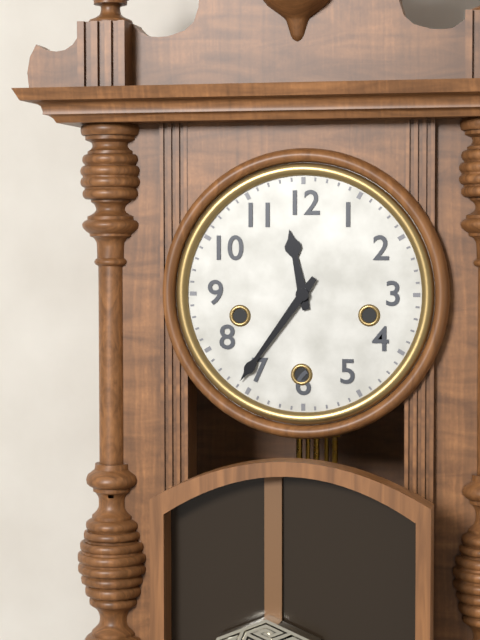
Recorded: h=11 m=36
